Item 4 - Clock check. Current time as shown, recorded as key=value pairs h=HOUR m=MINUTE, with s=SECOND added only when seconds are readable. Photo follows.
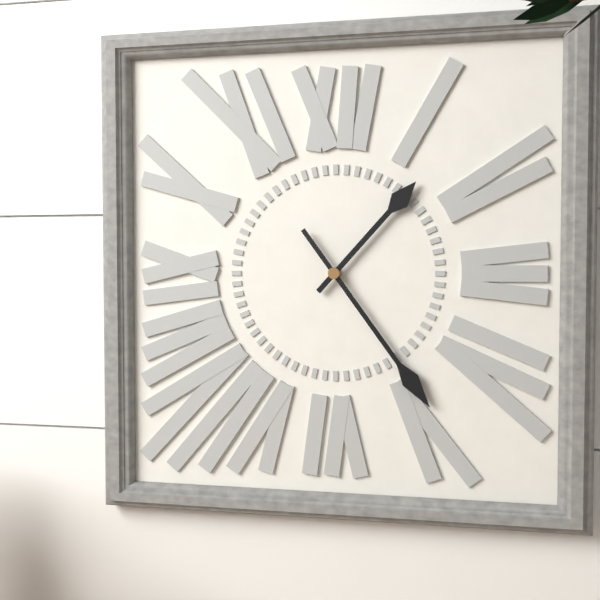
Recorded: h=1 m=24
